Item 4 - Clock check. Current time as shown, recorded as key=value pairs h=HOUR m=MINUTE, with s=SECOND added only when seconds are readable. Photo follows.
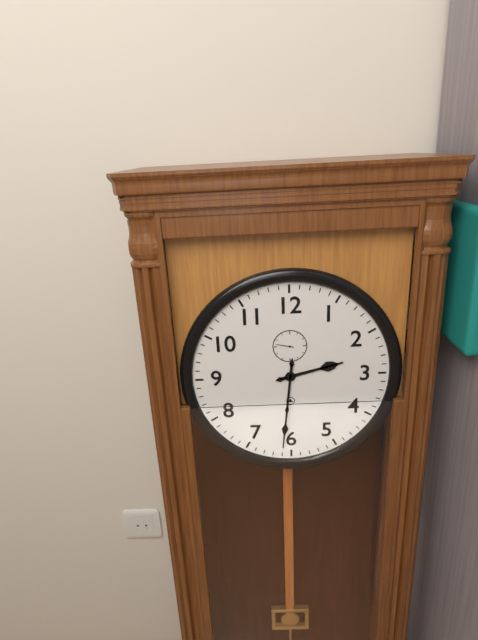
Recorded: h=2 m=31
